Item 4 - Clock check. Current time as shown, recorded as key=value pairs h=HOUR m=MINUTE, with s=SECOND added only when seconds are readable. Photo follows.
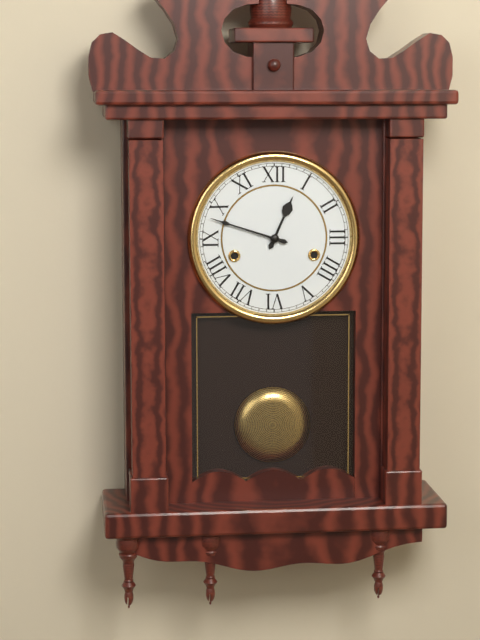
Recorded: h=12 m=48
